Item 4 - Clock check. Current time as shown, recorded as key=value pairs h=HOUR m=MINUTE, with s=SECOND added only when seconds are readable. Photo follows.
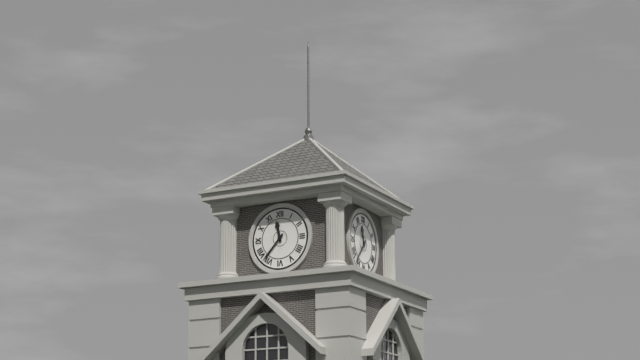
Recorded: h=11 m=37
